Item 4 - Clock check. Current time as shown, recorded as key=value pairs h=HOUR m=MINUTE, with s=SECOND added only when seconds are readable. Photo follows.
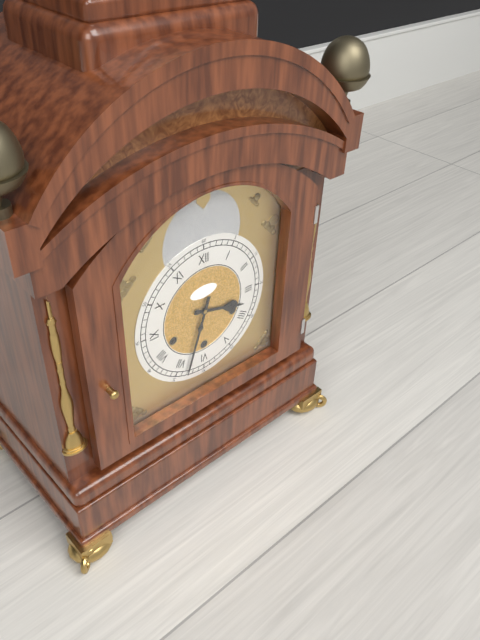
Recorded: h=3 m=33
